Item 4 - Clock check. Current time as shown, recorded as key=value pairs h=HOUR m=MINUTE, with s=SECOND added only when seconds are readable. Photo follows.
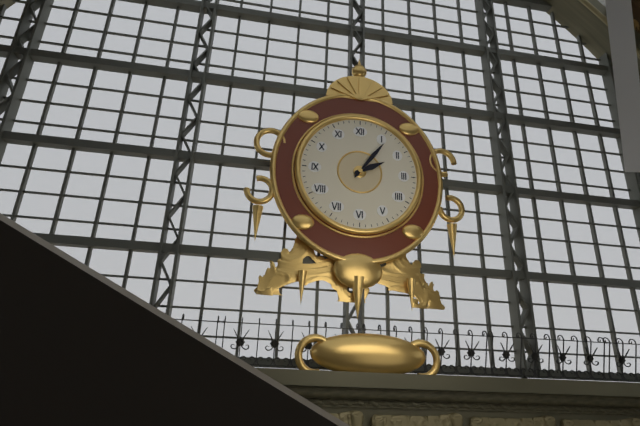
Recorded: h=2 m=6
